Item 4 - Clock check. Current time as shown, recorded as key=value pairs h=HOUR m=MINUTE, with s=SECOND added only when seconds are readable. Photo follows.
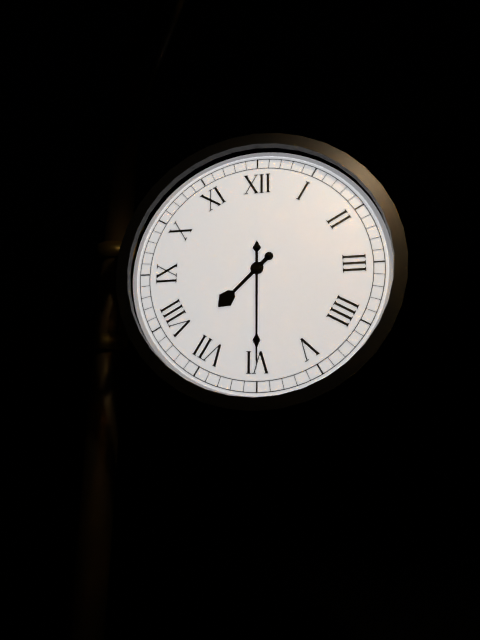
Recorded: h=7 m=30
